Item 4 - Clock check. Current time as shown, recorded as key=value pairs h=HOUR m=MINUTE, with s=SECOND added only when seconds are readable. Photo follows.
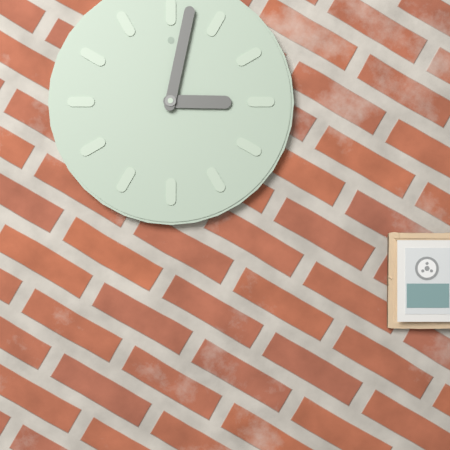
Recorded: h=3 m=2
